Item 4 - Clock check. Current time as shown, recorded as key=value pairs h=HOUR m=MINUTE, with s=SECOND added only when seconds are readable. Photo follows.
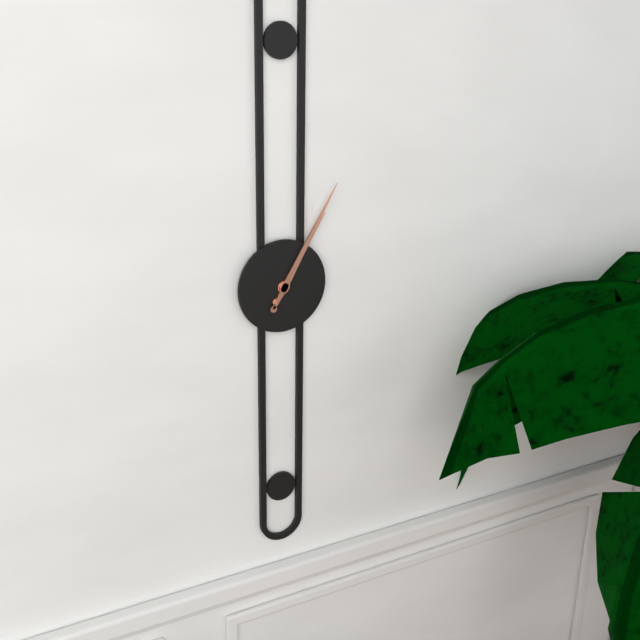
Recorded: h=1 m=5
